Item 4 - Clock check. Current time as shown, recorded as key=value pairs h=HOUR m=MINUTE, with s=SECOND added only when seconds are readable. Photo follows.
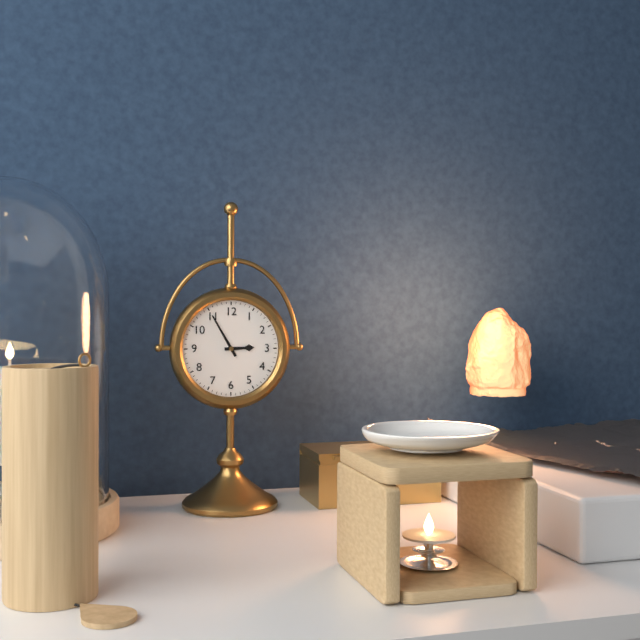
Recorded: h=2 m=55
